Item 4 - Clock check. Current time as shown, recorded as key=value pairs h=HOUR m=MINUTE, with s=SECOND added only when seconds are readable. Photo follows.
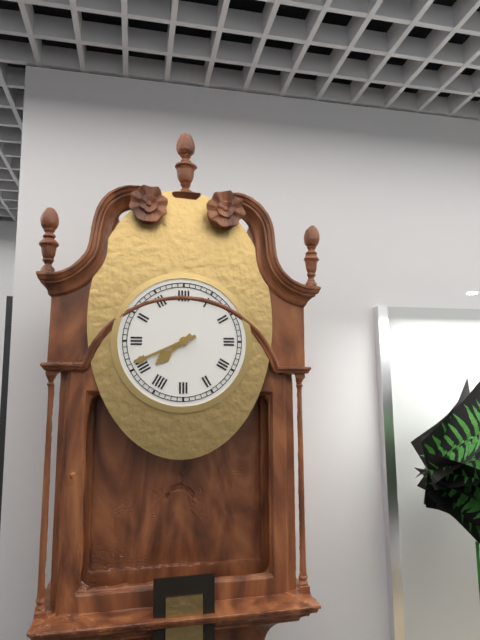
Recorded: h=7 m=41
